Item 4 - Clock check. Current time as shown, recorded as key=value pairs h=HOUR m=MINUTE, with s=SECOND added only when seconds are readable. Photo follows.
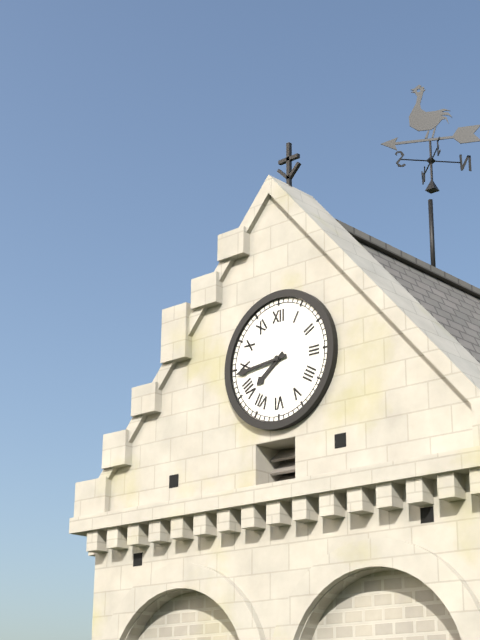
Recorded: h=7 m=44
